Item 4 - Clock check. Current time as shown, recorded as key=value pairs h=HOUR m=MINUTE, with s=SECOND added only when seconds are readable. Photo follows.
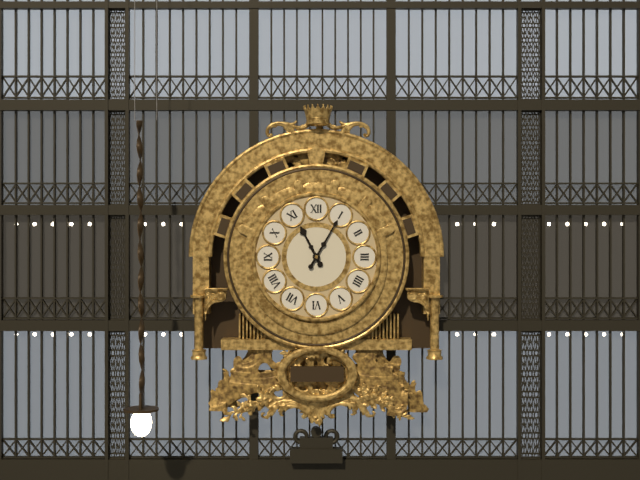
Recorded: h=11 m=5
